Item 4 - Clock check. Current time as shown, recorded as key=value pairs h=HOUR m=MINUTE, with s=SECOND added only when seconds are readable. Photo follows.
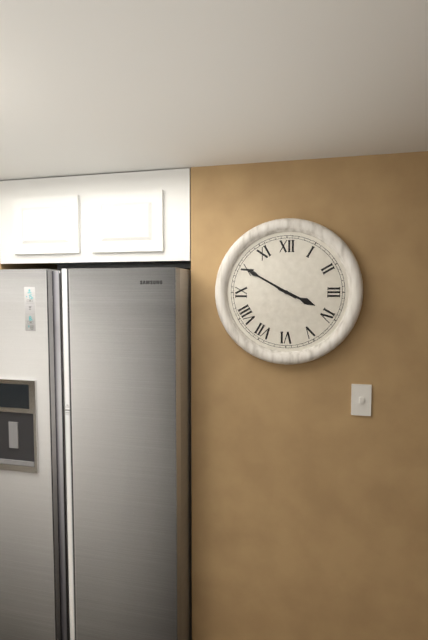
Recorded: h=3 m=50
